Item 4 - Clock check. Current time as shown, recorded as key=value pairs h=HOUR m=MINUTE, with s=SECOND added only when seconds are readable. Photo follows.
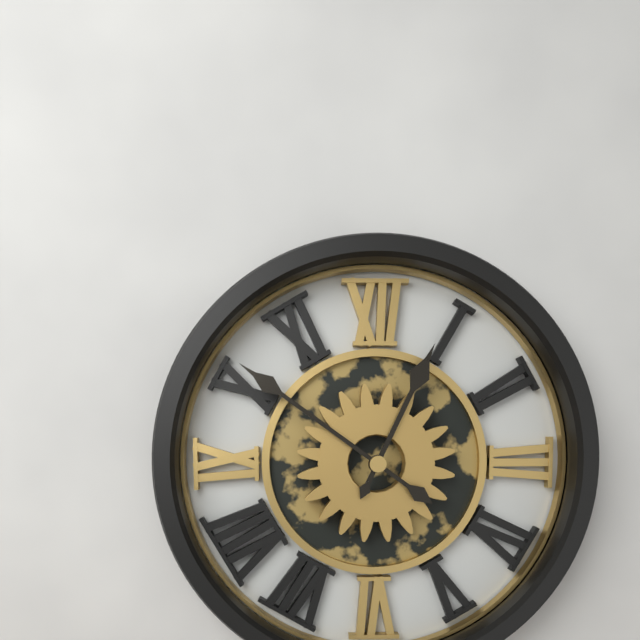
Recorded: h=12 m=51
